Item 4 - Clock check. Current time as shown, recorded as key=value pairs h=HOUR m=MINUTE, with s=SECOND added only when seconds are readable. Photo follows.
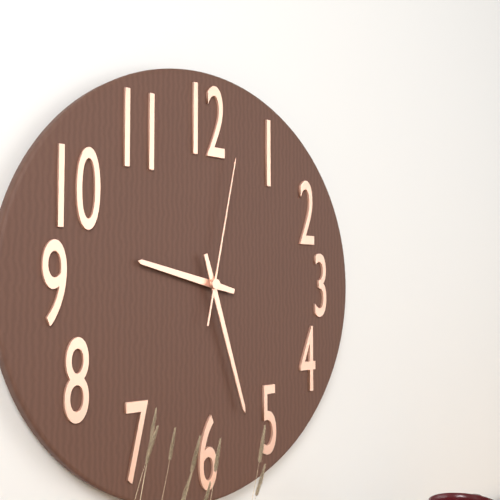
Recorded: h=9 m=27 s=2
